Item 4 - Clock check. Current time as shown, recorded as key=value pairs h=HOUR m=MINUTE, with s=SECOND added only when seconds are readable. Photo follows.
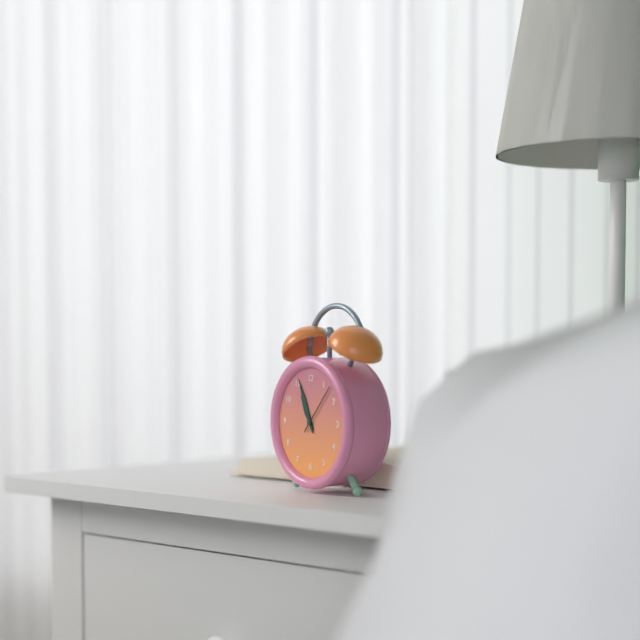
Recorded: h=10 m=56
